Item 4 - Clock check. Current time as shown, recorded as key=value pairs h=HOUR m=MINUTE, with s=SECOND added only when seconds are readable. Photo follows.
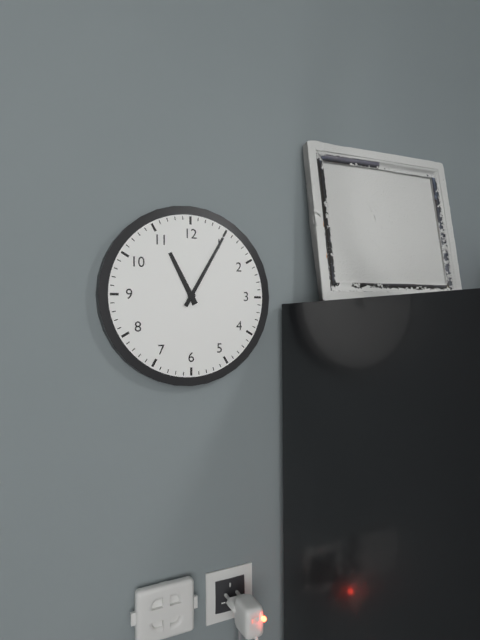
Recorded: h=11 m=5
